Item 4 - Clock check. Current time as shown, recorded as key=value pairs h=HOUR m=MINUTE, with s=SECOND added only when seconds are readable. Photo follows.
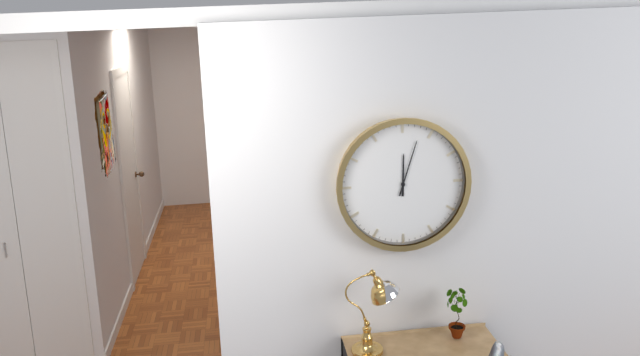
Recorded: h=12 m=3
